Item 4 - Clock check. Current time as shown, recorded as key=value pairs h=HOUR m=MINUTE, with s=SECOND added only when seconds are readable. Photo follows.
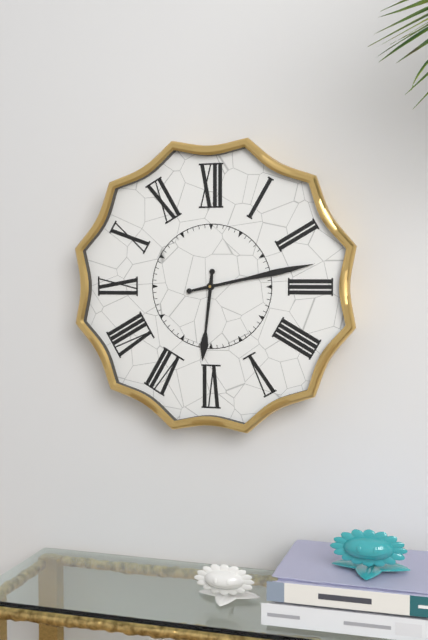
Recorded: h=6 m=13
